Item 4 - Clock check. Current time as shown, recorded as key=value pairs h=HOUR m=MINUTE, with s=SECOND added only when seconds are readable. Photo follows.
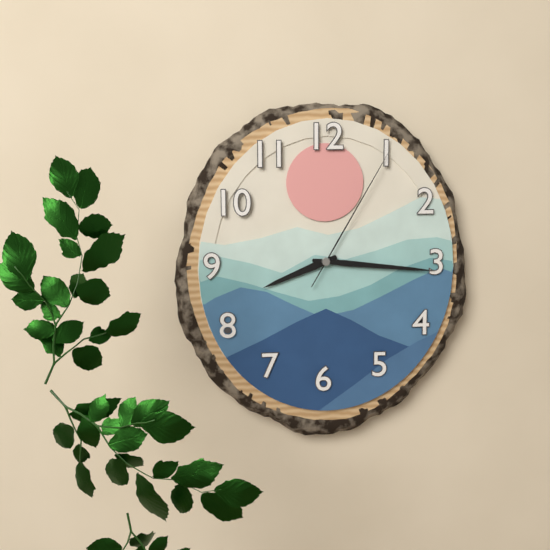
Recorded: h=8 m=16 s=5
